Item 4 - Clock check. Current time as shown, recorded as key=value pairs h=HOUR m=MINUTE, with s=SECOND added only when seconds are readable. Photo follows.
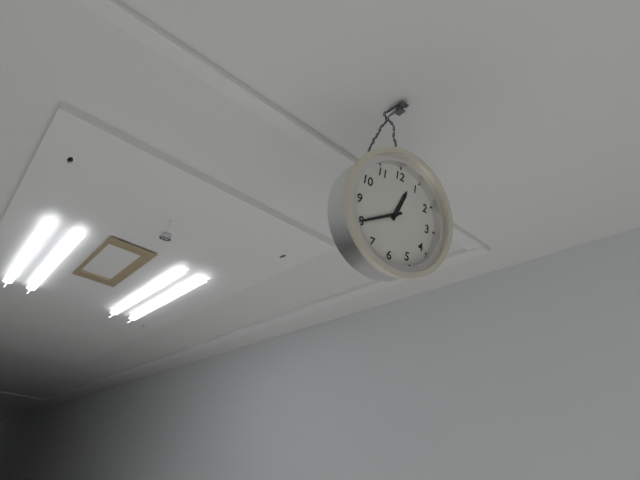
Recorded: h=12 m=40
